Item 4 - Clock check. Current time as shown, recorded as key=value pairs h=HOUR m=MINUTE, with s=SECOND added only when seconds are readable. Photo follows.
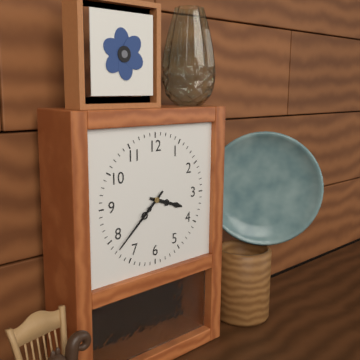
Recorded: h=3 m=38
